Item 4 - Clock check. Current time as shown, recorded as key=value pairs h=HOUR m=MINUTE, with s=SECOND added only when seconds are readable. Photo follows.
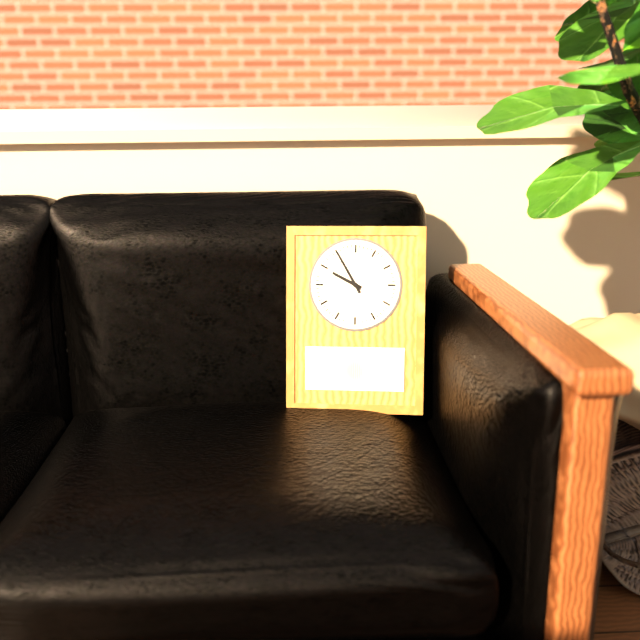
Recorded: h=9 m=55
